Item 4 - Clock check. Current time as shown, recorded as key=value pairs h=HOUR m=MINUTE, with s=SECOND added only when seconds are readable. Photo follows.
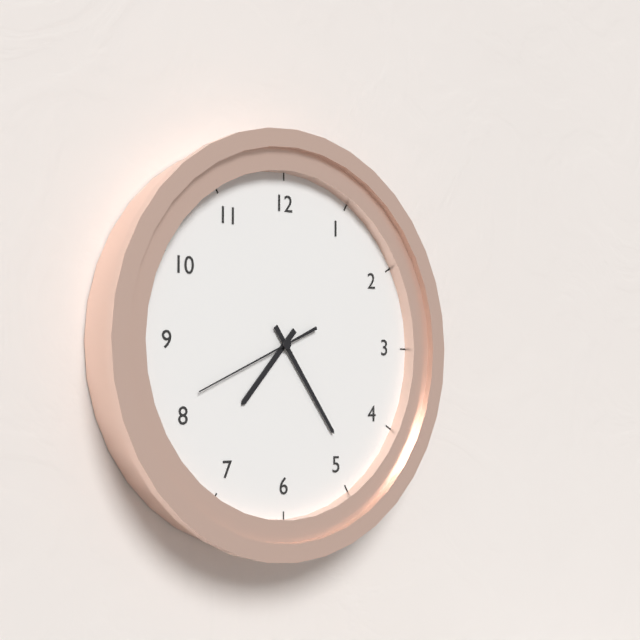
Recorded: h=7 m=24 s=41
